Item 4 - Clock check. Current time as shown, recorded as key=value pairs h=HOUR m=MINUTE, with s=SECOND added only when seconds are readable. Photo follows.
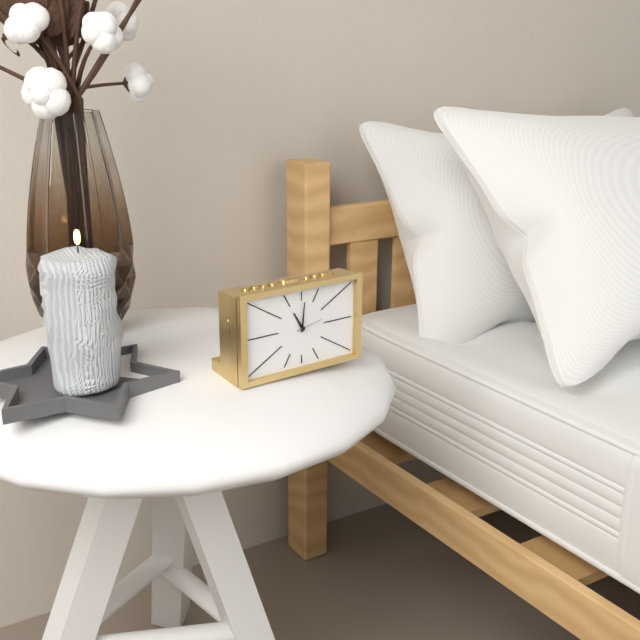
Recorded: h=11 m=1
